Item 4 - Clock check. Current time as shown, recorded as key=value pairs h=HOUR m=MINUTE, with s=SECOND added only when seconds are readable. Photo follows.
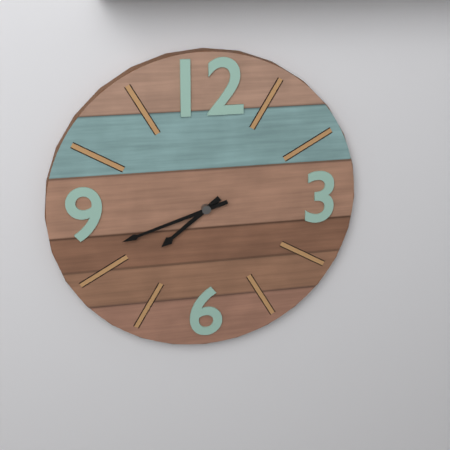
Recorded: h=7 m=42
